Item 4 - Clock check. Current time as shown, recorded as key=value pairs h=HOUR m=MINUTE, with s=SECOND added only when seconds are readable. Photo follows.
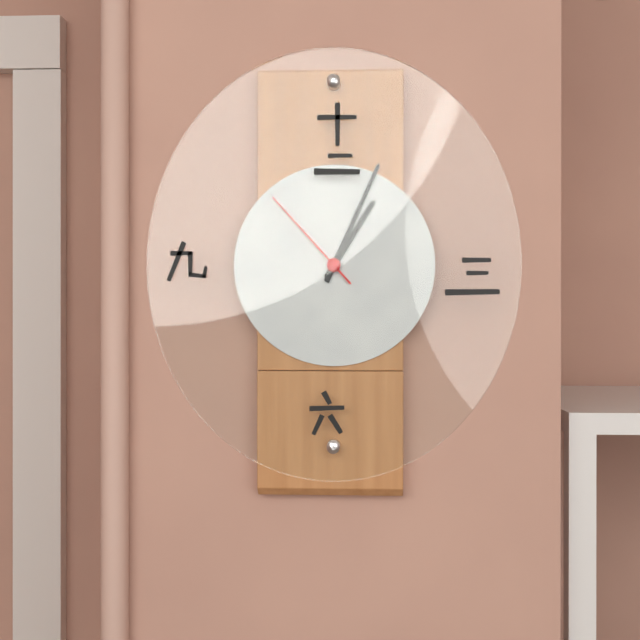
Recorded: h=1 m=4 s=53
